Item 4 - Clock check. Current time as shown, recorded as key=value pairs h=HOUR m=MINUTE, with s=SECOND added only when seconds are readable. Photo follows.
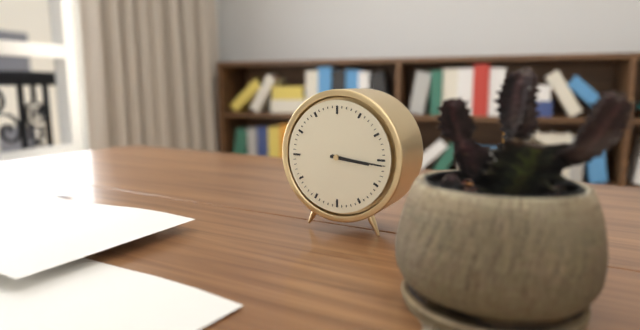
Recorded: h=3 m=16
